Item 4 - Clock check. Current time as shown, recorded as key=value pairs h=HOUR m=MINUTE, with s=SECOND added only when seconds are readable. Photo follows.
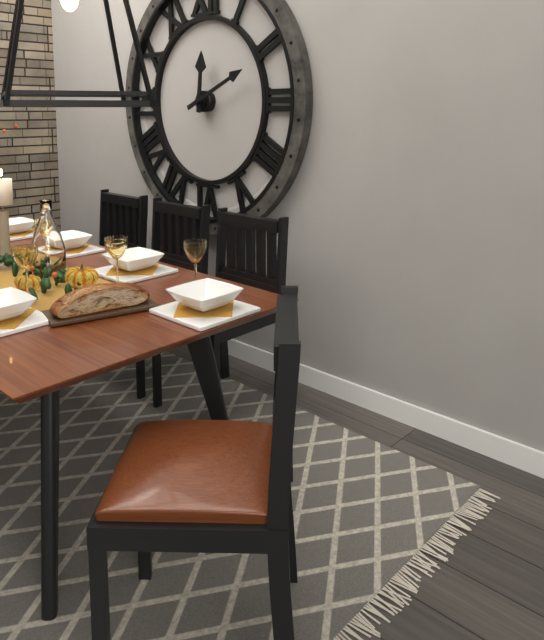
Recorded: h=12 m=11
